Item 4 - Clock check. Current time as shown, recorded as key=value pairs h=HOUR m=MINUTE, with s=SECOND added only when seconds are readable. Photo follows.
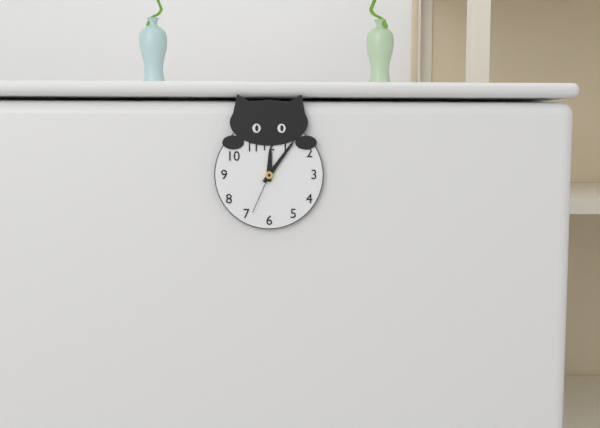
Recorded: h=12 m=6 s=34
